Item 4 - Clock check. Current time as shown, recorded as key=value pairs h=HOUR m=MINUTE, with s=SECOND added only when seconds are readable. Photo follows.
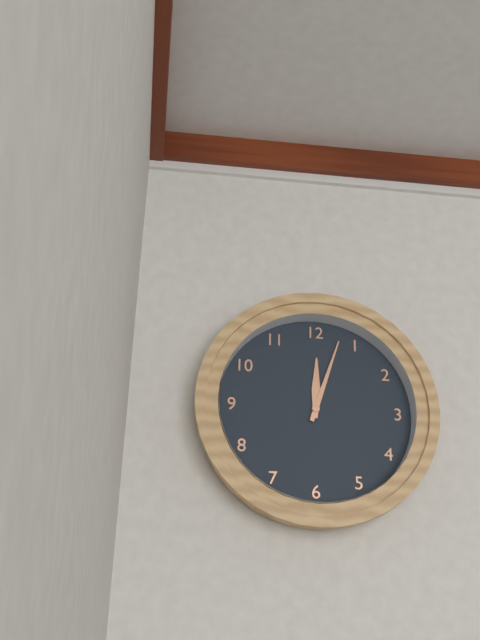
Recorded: h=12 m=3
